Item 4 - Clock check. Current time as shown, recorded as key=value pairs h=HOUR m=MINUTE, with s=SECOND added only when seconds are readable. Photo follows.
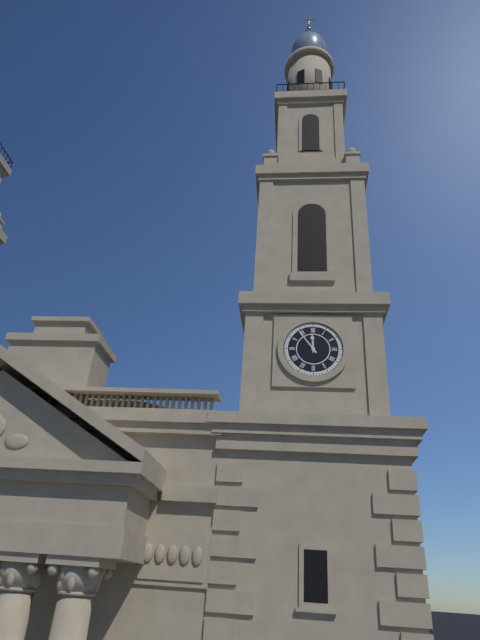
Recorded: h=11 m=54
